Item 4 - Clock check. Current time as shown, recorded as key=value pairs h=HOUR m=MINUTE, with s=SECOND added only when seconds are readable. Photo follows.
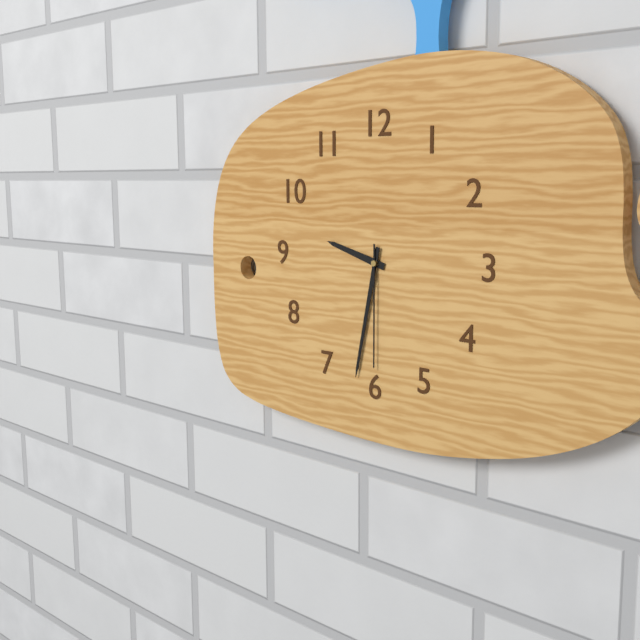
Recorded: h=9 m=32 s=30
